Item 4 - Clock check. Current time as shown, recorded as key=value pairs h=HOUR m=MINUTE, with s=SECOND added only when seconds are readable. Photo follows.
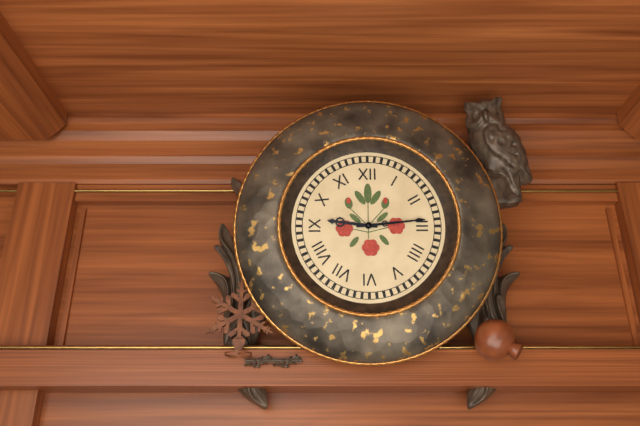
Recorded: h=9 m=14
